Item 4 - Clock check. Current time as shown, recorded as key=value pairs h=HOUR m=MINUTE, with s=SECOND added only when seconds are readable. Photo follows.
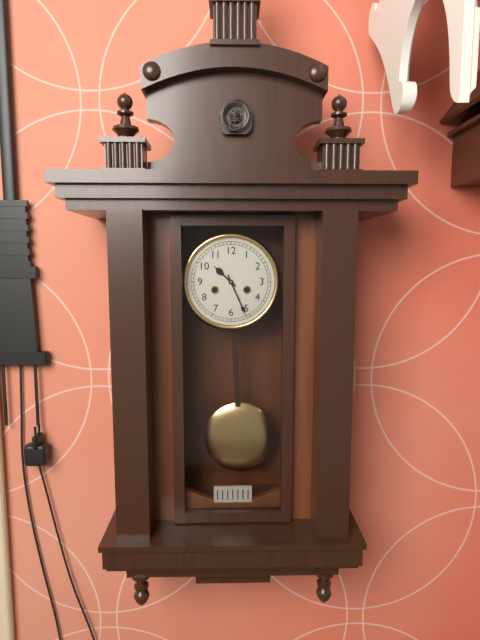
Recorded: h=10 m=26
